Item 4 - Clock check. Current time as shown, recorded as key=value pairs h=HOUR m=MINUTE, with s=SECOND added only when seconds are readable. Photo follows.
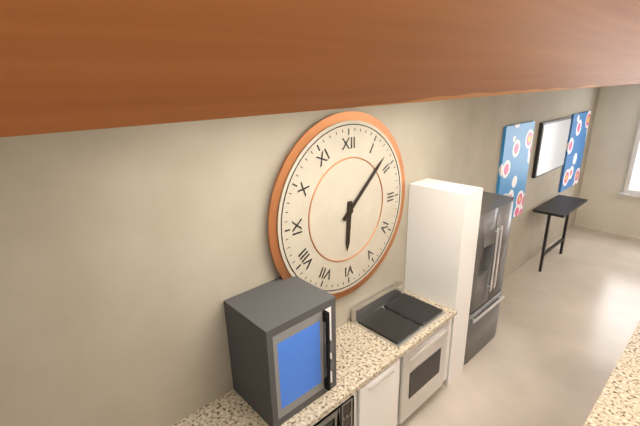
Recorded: h=6 m=8
